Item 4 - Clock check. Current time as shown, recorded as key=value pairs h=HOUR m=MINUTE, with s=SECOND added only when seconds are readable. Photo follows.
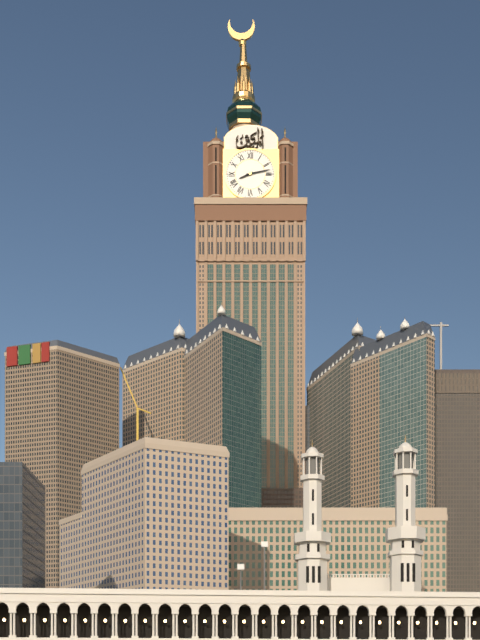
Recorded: h=8 m=13
